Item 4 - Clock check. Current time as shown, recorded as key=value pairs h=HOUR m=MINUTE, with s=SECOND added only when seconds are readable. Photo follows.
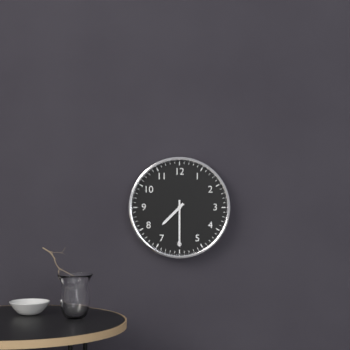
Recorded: h=7 m=30
